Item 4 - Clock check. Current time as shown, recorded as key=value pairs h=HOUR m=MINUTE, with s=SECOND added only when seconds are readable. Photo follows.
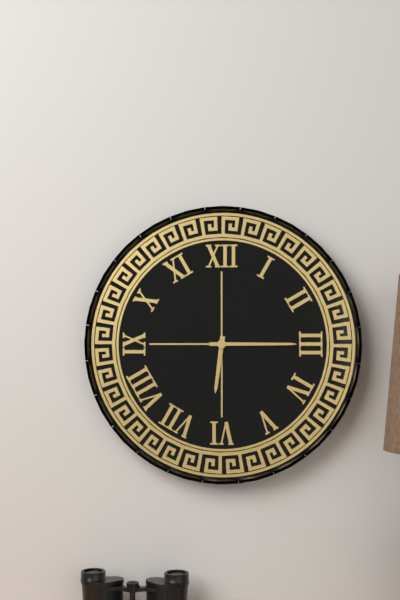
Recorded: h=6 m=15
